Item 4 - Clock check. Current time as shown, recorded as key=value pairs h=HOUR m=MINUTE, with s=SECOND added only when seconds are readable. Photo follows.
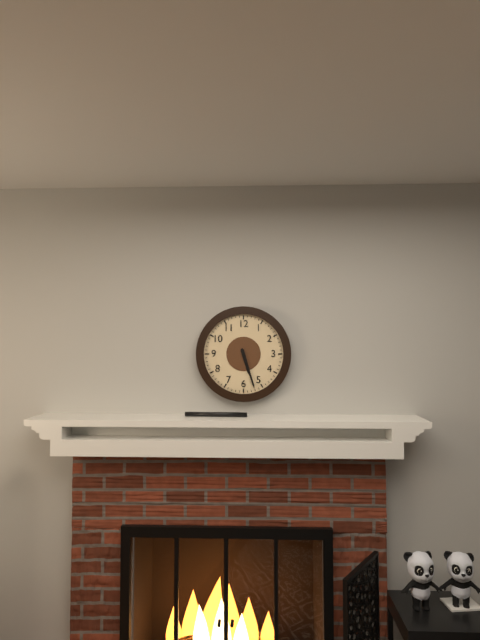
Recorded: h=5 m=27
